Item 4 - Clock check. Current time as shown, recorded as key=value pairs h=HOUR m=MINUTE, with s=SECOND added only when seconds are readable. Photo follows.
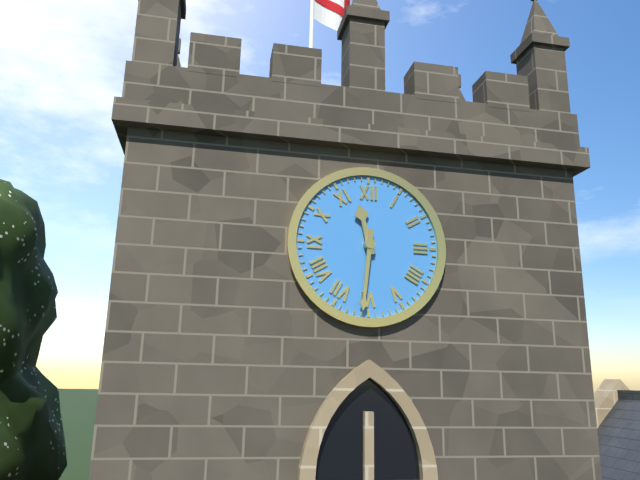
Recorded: h=11 m=31
